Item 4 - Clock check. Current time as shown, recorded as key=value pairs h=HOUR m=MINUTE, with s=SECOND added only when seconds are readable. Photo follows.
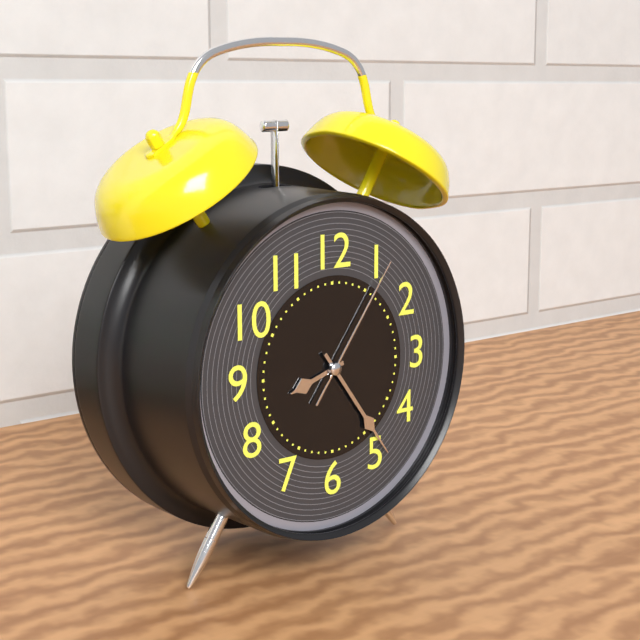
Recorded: h=8 m=24 s=6
